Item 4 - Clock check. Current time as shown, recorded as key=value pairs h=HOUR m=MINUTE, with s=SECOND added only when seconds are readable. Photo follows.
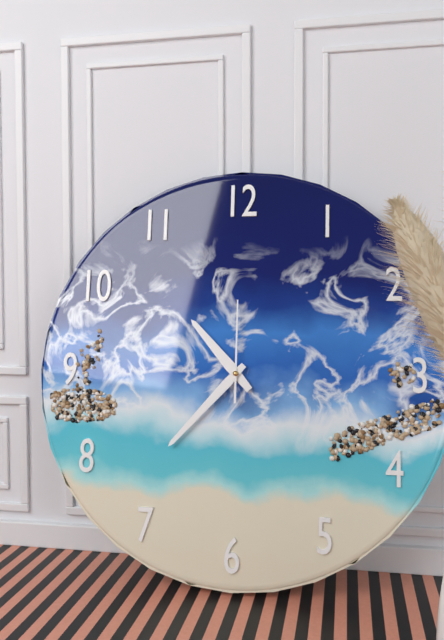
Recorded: h=10 m=37 s=0
